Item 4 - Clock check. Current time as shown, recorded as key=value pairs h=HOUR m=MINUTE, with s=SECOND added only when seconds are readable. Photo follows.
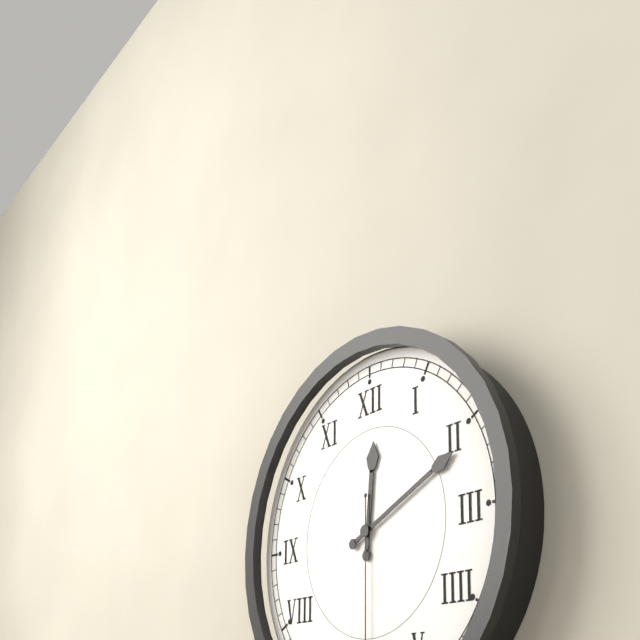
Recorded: h=12 m=11
